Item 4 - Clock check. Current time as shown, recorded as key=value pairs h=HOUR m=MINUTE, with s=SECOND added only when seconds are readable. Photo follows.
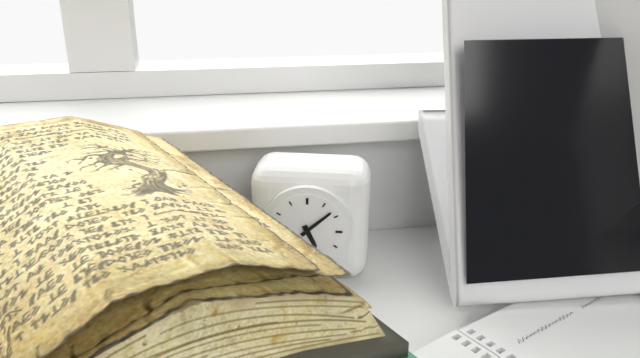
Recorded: h=5 m=8
